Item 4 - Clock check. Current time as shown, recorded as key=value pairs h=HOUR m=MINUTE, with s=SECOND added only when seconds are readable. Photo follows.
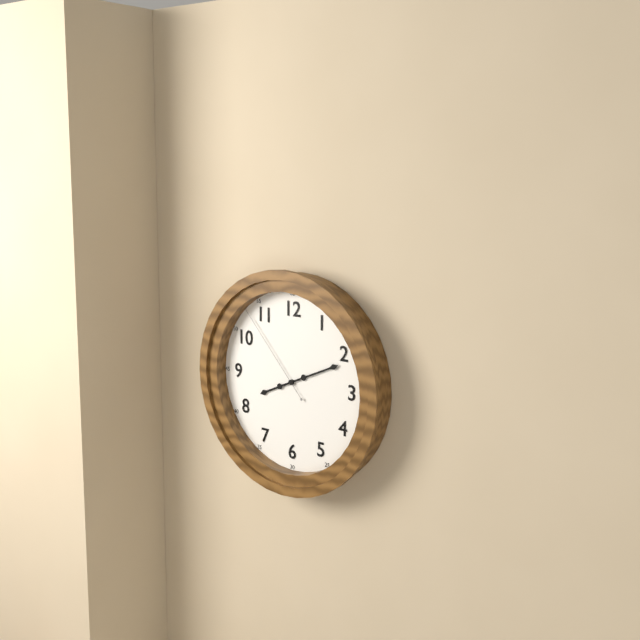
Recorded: h=8 m=11 s=53
